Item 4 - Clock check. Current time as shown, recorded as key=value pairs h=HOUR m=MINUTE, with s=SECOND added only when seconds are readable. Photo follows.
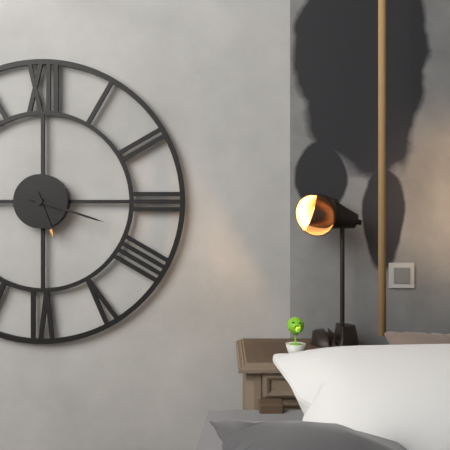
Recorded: h=5 m=18
